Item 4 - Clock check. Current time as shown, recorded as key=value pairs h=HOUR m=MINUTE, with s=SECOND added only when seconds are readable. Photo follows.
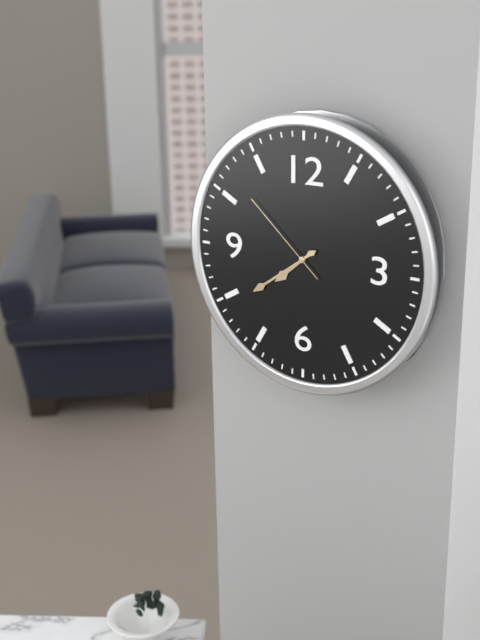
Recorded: h=7 m=39 s=52
